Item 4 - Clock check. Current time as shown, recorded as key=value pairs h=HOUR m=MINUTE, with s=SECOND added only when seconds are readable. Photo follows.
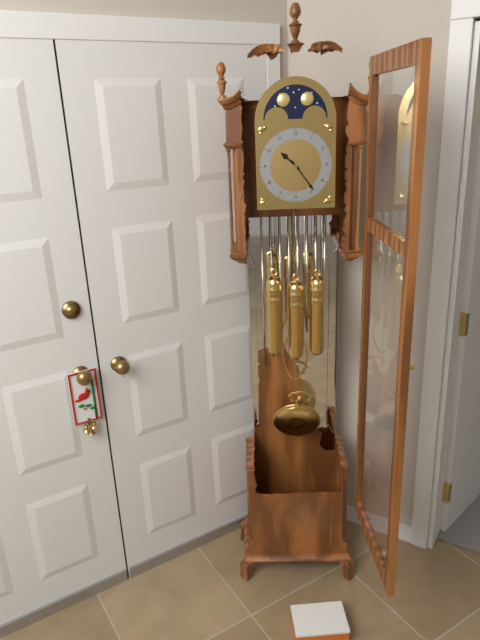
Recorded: h=10 m=24
